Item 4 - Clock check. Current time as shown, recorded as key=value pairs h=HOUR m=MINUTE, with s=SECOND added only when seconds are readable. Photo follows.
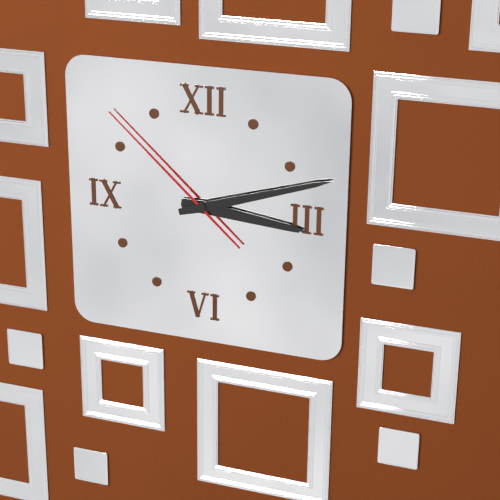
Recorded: h=3 m=12 s=52
